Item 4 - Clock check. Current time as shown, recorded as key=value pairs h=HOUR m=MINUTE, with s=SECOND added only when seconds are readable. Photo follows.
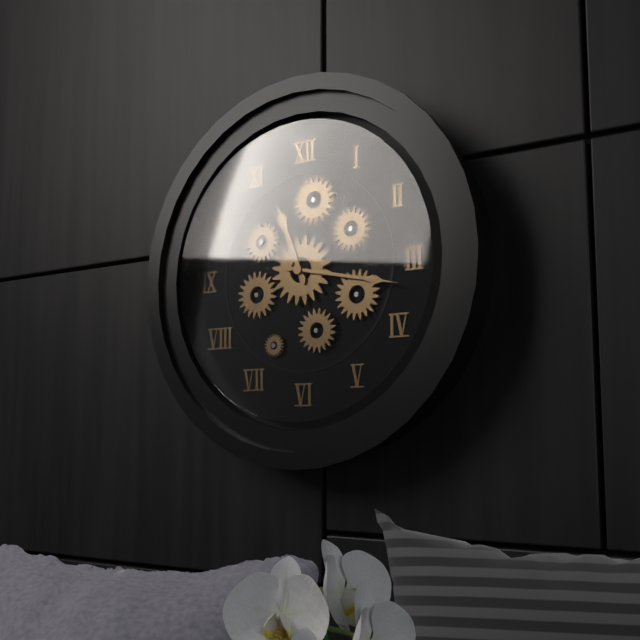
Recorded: h=11 m=17
